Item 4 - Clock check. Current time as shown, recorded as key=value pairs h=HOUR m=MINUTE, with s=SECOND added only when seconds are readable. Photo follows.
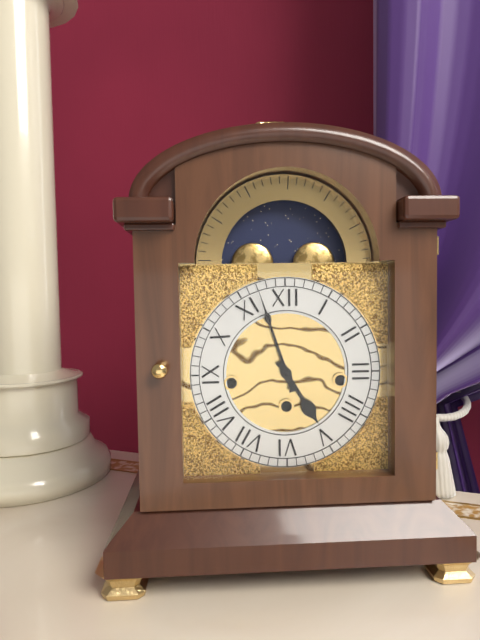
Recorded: h=4 m=57
